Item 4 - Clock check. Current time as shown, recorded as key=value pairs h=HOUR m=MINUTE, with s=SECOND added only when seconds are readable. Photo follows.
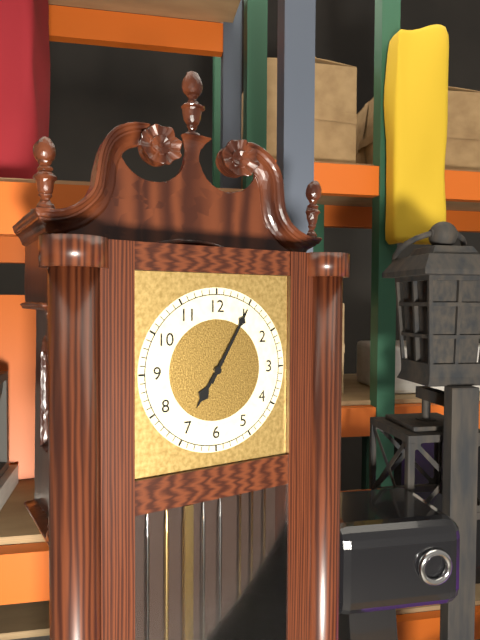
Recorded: h=7 m=5
